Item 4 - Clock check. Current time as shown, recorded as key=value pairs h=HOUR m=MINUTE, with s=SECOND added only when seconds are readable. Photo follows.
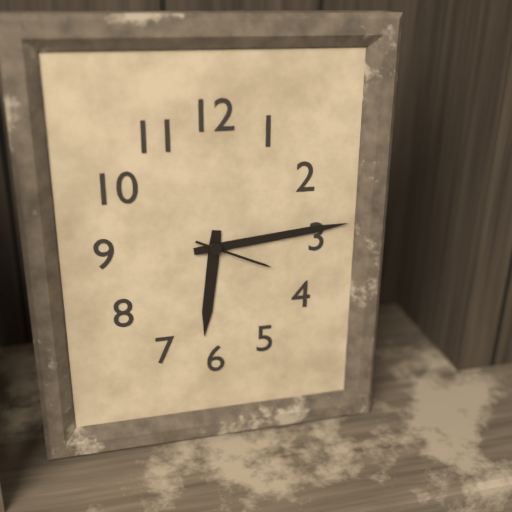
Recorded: h=6 m=14 s=19
